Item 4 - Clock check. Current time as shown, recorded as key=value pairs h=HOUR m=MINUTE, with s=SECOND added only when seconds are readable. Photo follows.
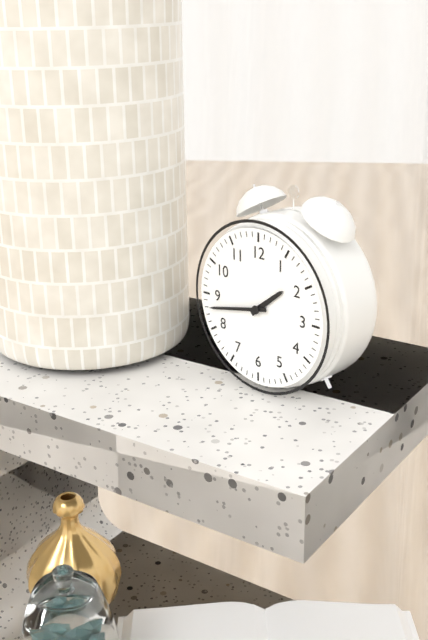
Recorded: h=1 m=43
